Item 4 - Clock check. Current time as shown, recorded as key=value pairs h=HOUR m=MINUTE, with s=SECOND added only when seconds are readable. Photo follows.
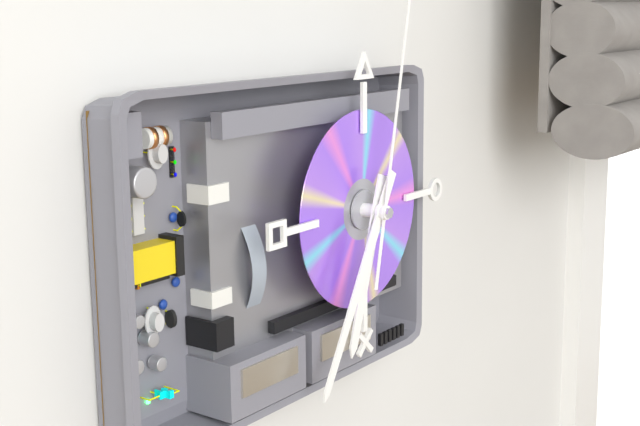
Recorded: h=6 m=35
